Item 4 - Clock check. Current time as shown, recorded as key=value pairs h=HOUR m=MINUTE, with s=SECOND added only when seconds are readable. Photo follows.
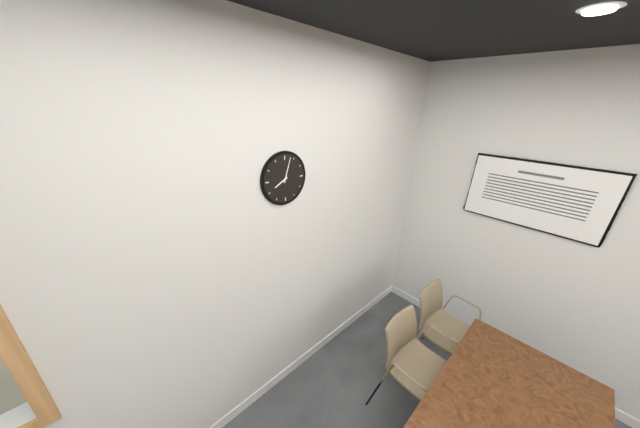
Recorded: h=8 m=3
